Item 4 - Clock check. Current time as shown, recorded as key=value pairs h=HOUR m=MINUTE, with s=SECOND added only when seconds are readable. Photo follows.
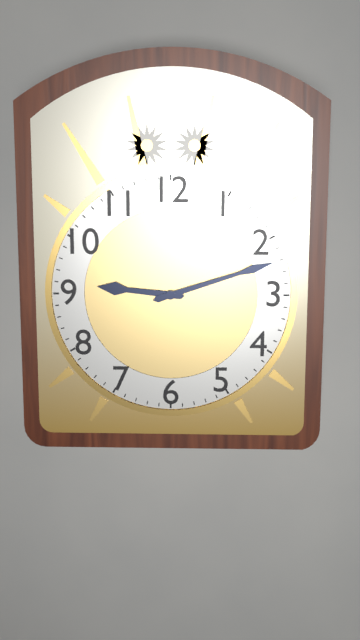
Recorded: h=9 m=12
